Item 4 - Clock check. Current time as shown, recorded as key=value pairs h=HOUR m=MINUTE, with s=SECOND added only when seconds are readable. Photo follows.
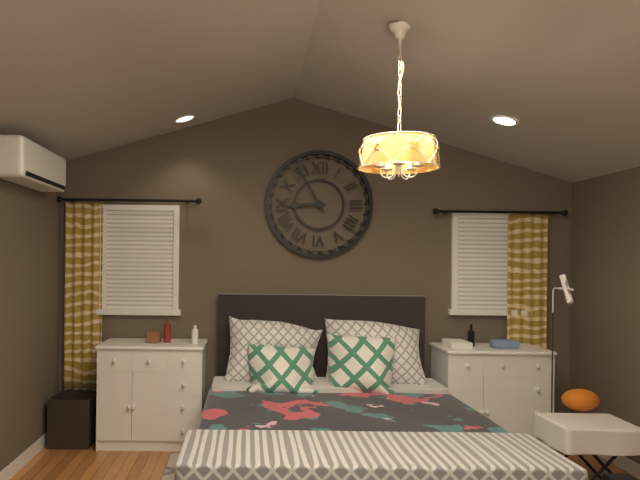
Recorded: h=8 m=55
